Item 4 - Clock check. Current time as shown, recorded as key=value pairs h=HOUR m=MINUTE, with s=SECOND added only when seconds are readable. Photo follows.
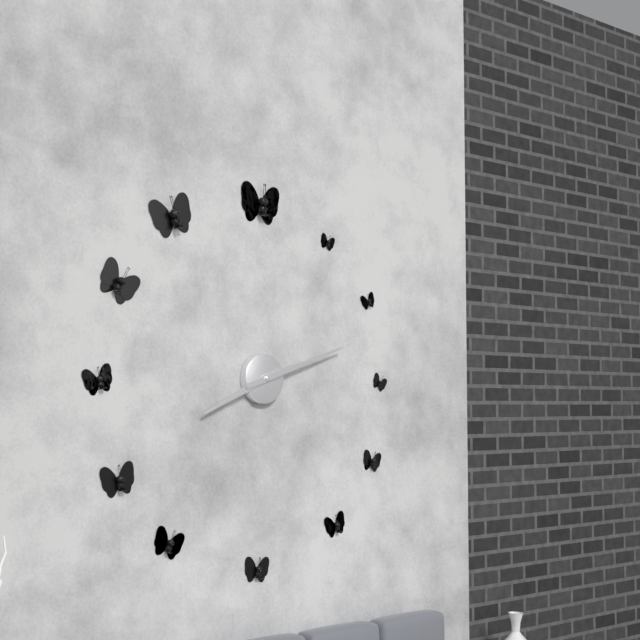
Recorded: h=8 m=12
